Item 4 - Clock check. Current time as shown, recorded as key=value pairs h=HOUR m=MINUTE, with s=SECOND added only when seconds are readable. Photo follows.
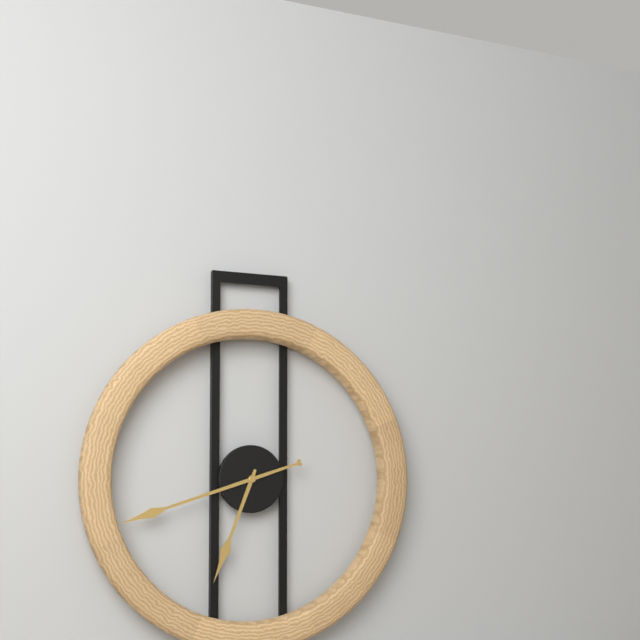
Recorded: h=6 m=42
